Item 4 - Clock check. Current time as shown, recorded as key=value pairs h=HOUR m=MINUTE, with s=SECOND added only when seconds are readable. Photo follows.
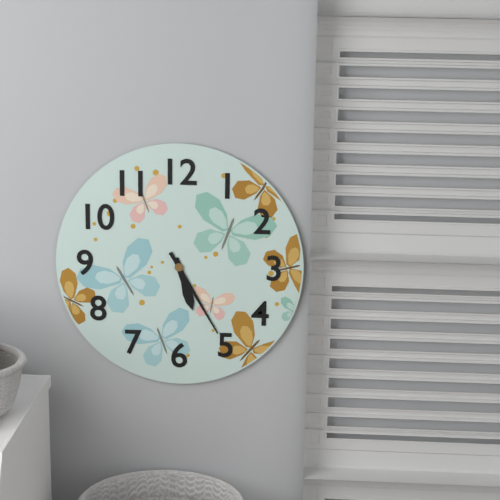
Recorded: h=5 m=25
